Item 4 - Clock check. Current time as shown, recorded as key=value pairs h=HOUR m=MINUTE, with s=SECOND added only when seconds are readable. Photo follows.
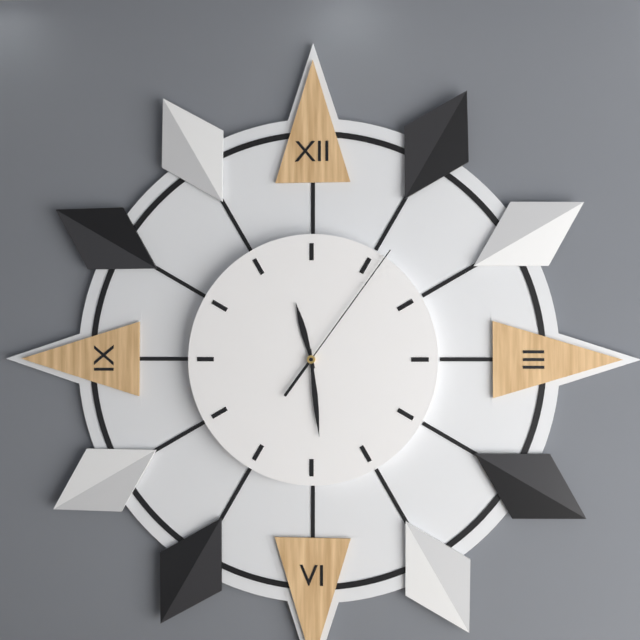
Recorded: h=11 m=29 s=6
